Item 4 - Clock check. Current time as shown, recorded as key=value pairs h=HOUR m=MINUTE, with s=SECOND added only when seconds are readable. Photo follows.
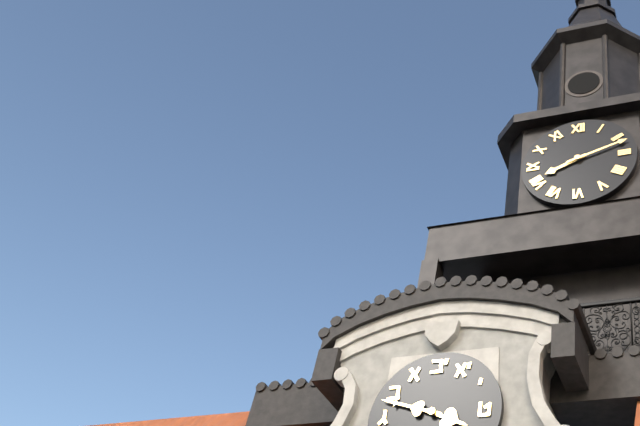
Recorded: h=8 m=12
